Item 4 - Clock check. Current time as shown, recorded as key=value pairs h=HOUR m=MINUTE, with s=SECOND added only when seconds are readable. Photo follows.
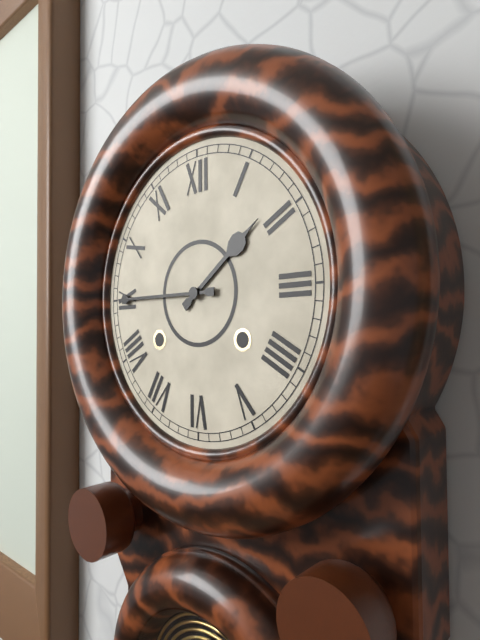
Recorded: h=1 m=45
